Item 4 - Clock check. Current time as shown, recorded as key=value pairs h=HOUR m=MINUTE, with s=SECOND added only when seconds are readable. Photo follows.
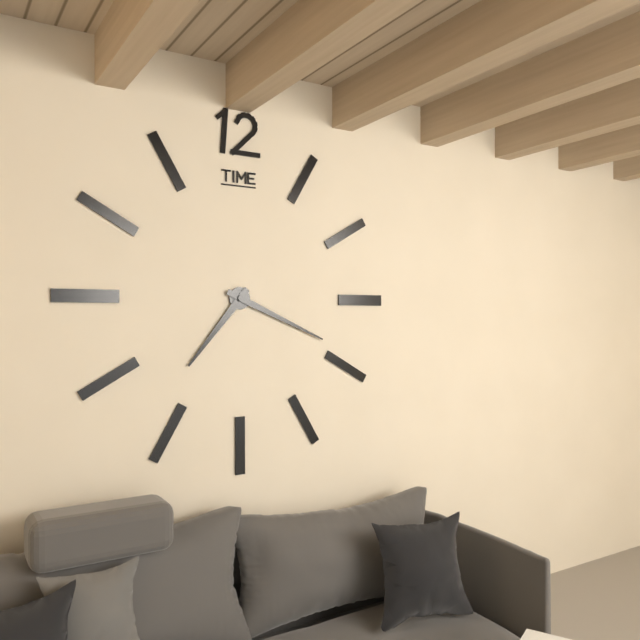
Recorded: h=7 m=19
